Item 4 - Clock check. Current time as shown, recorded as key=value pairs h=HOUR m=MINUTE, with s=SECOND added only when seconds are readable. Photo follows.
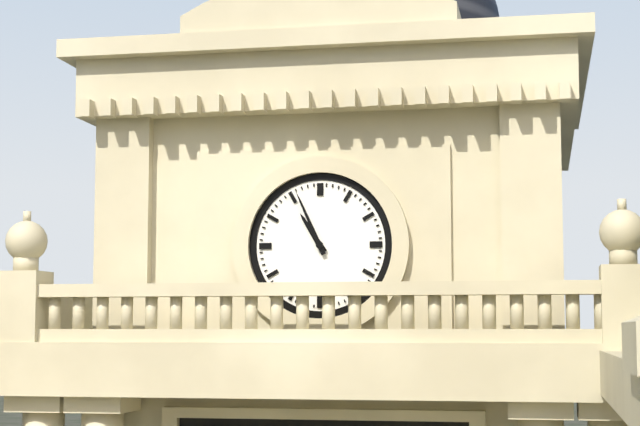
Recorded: h=10 m=56
